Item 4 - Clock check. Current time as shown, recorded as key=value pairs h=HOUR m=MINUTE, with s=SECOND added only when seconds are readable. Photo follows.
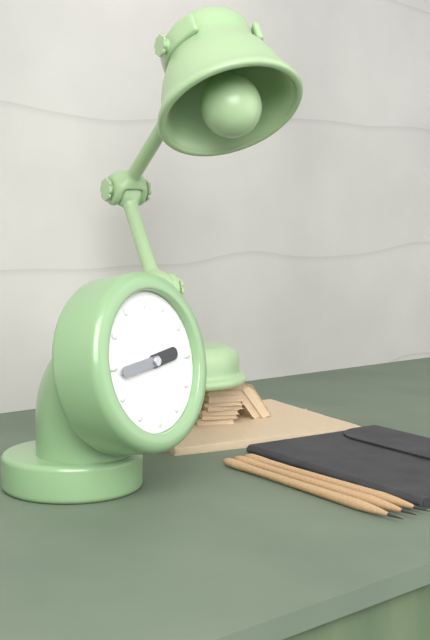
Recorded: h=2 m=44
